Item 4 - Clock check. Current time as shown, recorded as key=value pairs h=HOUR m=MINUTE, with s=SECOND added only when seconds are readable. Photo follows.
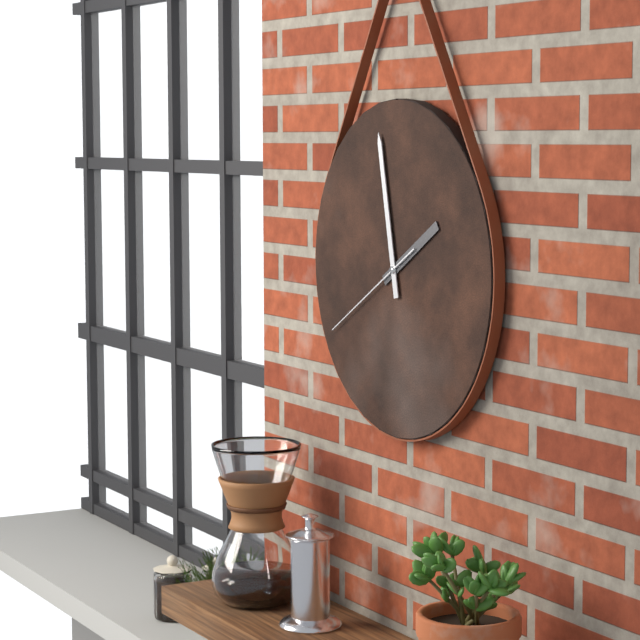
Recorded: h=1 m=58 s=40
